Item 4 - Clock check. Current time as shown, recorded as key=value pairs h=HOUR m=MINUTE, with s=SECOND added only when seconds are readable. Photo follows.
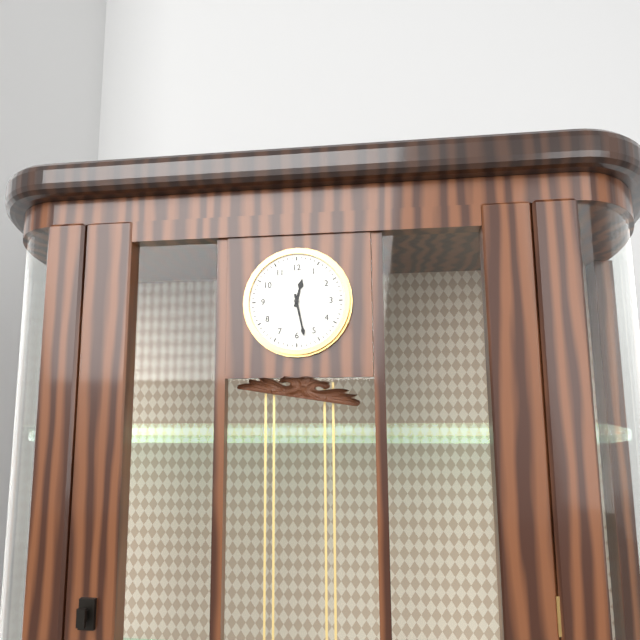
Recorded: h=12 m=28
